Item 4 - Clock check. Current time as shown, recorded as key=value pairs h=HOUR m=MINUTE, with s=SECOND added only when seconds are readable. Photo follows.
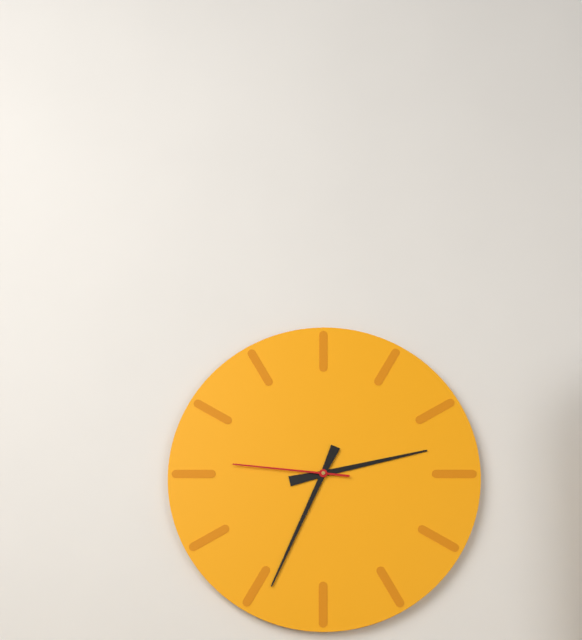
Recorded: h=2 m=34 s=46
